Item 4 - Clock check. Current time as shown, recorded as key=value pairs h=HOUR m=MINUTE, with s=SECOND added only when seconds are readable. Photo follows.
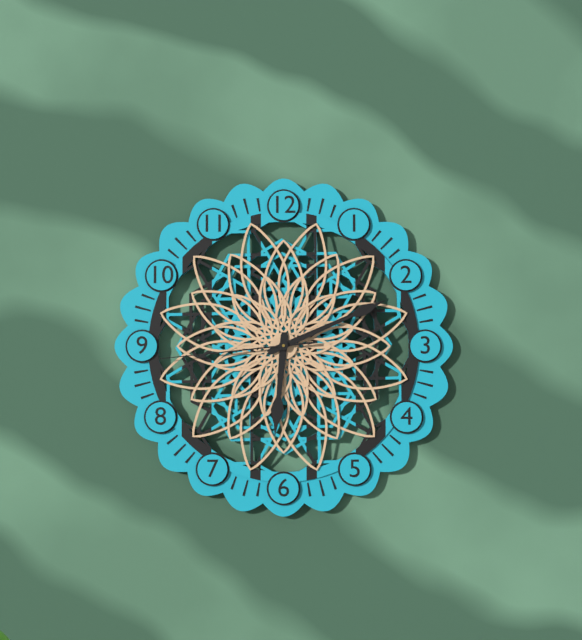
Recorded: h=6 m=11 s=44
